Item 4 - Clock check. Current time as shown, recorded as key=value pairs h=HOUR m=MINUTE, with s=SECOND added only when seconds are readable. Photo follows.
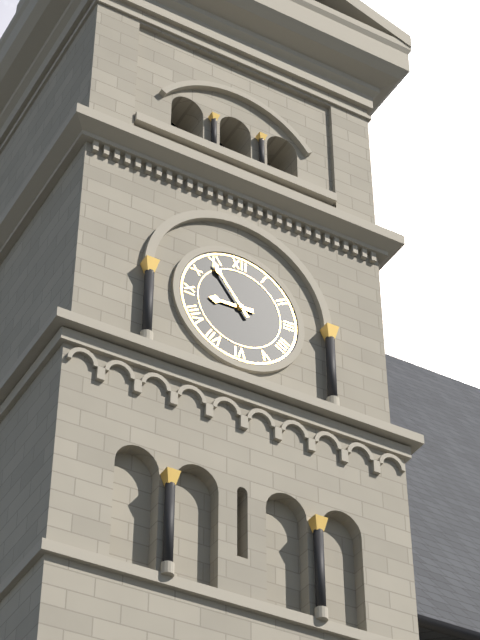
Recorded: h=8 m=54
